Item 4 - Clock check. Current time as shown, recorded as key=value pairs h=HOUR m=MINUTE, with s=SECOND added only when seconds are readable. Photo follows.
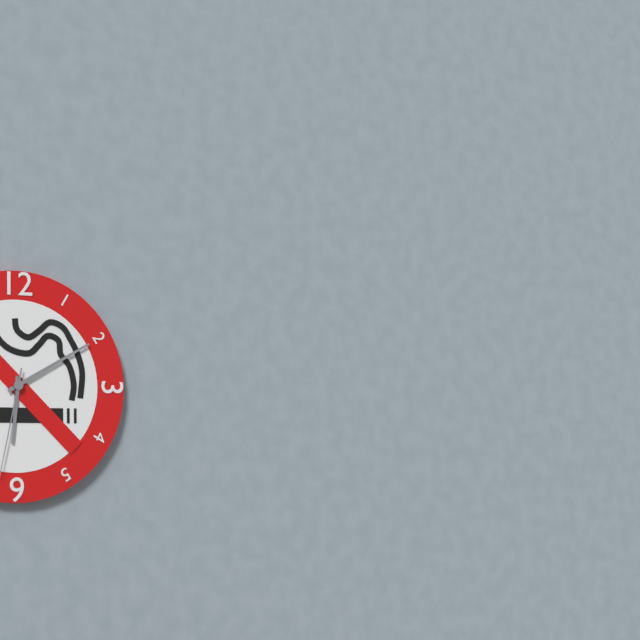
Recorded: h=6 m=10
